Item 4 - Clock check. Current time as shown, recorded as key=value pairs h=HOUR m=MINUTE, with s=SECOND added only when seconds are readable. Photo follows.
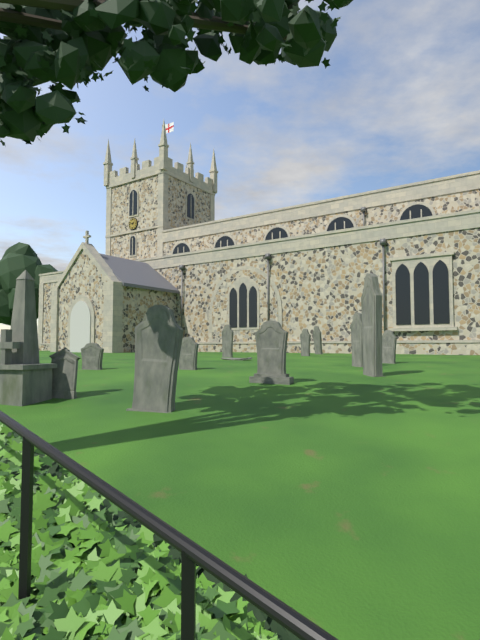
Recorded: h=1 m=49
